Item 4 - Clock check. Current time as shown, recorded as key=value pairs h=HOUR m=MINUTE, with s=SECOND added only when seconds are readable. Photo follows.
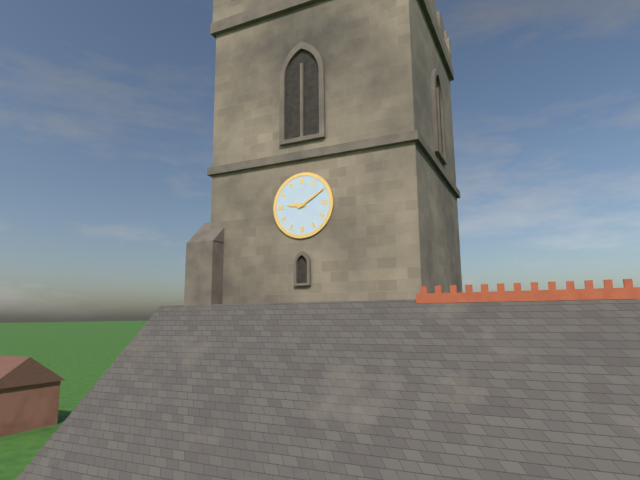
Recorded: h=9 m=10
